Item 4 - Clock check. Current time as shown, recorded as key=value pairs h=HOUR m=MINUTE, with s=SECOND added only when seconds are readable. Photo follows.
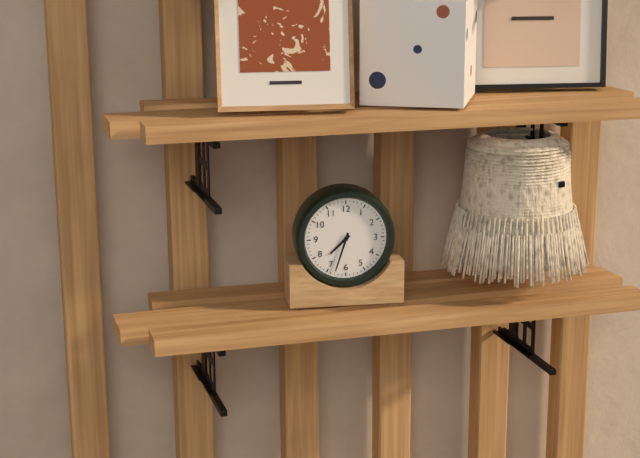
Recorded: h=7 m=33
